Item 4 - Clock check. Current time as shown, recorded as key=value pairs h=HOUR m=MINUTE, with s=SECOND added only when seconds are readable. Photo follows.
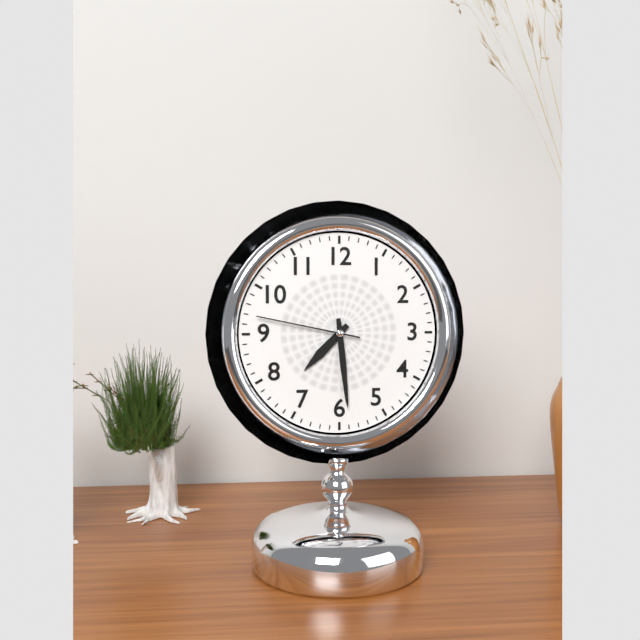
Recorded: h=7 m=29 s=47
